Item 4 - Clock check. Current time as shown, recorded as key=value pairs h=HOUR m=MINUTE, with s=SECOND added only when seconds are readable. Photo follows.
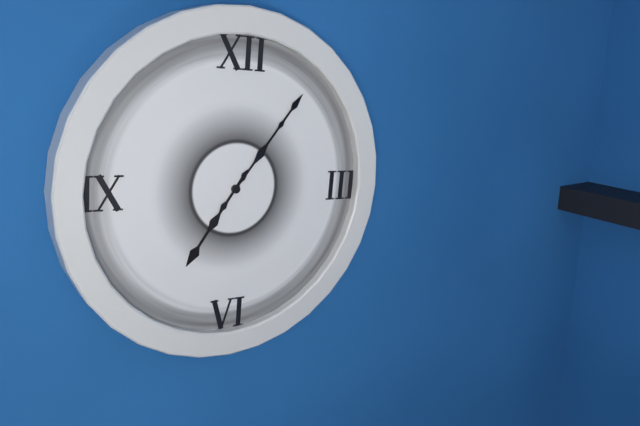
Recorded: h=7 m=6
